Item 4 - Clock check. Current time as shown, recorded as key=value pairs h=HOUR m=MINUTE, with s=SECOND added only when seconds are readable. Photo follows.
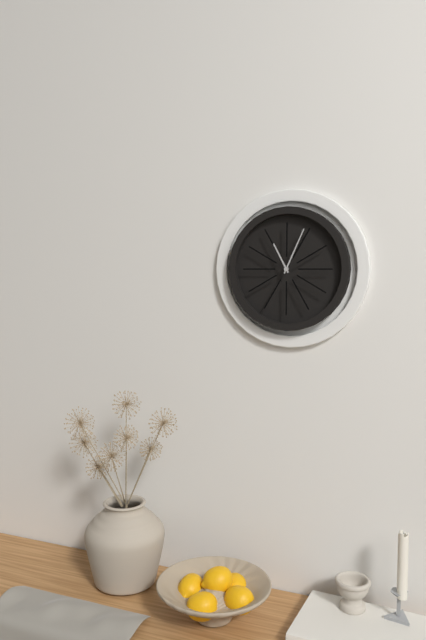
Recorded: h=11 m=4
